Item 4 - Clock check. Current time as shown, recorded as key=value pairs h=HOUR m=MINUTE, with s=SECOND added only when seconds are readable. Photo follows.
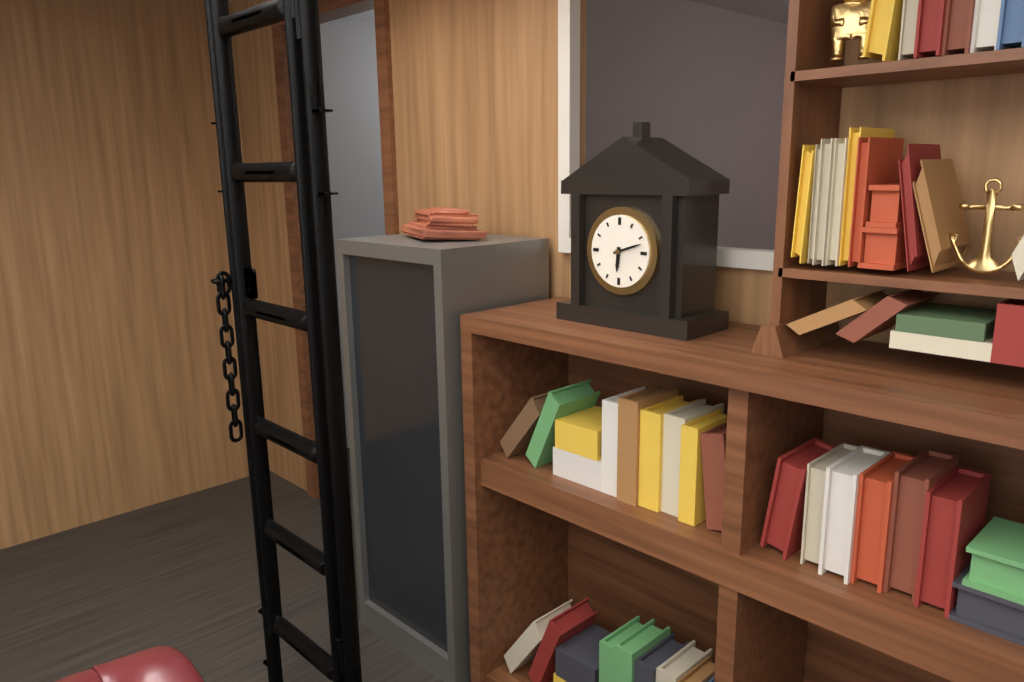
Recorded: h=6 m=12
